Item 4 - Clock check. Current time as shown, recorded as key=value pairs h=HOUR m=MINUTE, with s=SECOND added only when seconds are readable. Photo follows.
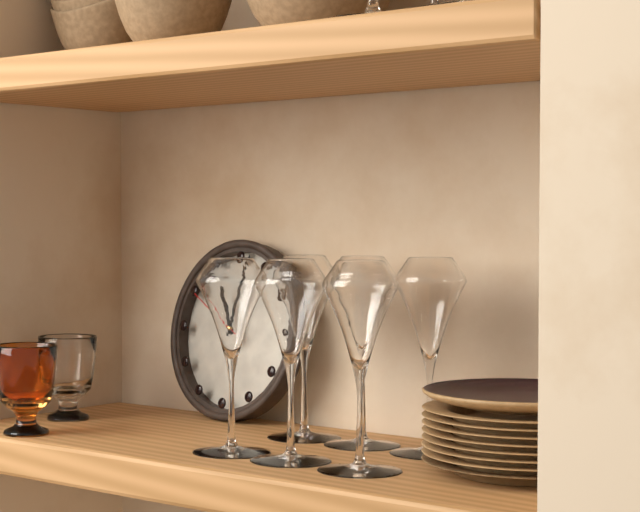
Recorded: h=11 m=2 s=50
